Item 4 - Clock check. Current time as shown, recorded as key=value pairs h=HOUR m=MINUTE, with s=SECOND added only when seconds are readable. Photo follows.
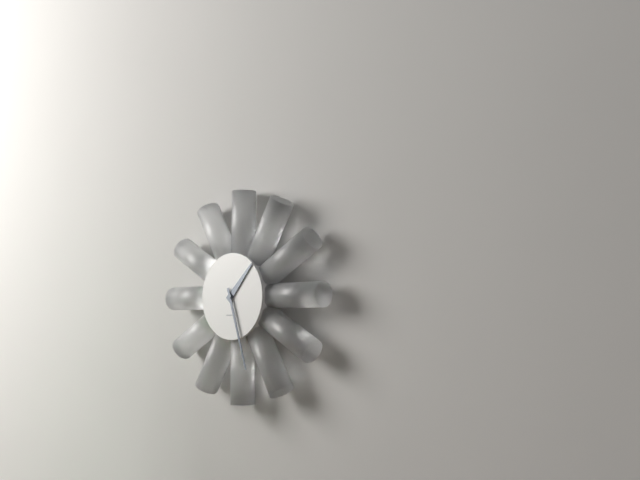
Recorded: h=1 m=27
